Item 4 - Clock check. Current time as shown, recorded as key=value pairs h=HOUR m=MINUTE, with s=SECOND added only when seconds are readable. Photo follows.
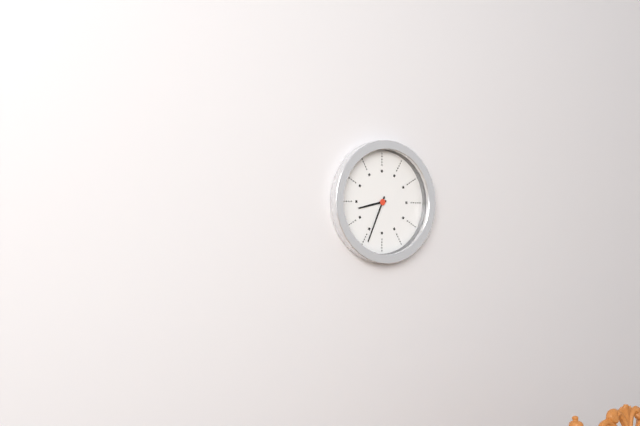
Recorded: h=8 m=34
